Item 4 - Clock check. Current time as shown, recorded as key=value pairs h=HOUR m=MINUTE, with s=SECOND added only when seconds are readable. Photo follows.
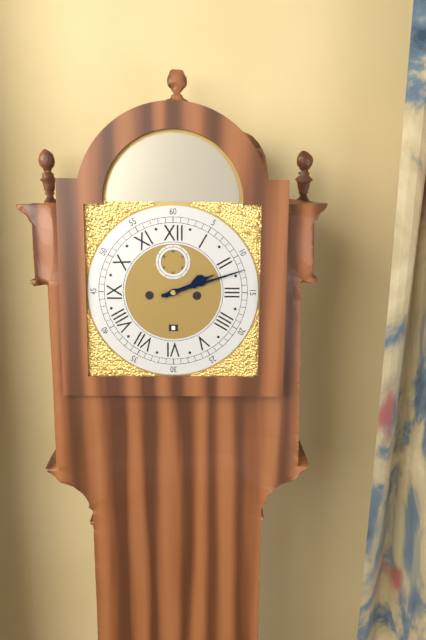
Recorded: h=2 m=12
